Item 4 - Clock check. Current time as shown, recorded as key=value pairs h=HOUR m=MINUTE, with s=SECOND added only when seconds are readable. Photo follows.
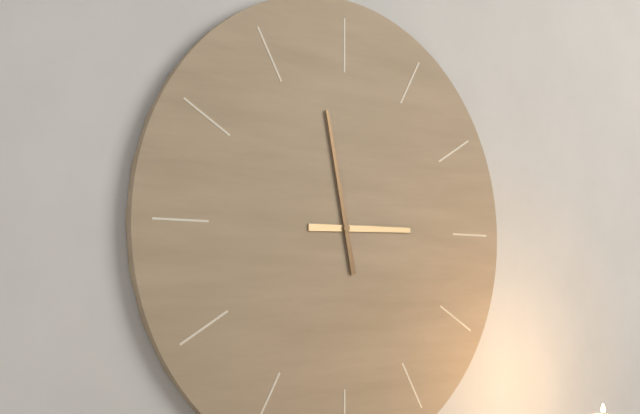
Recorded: h=2 m=58
